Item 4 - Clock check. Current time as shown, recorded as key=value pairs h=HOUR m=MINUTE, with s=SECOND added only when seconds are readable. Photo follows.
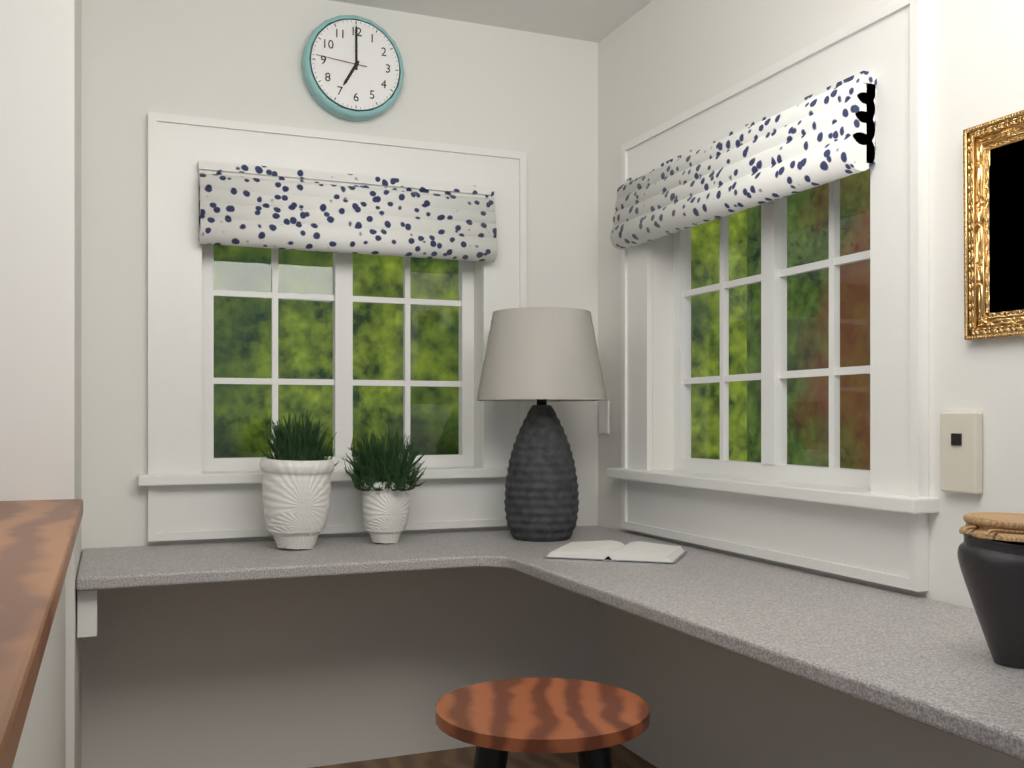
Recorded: h=7 m=0 s=46
